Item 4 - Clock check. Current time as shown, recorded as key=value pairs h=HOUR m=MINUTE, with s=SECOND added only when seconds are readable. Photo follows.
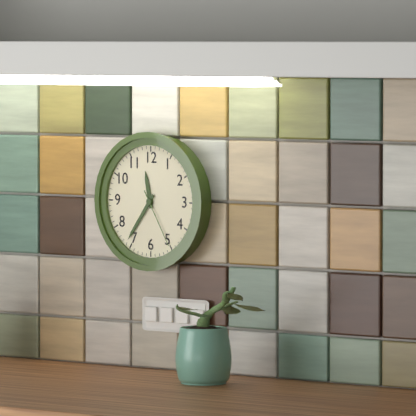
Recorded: h=11 m=36 s=25
